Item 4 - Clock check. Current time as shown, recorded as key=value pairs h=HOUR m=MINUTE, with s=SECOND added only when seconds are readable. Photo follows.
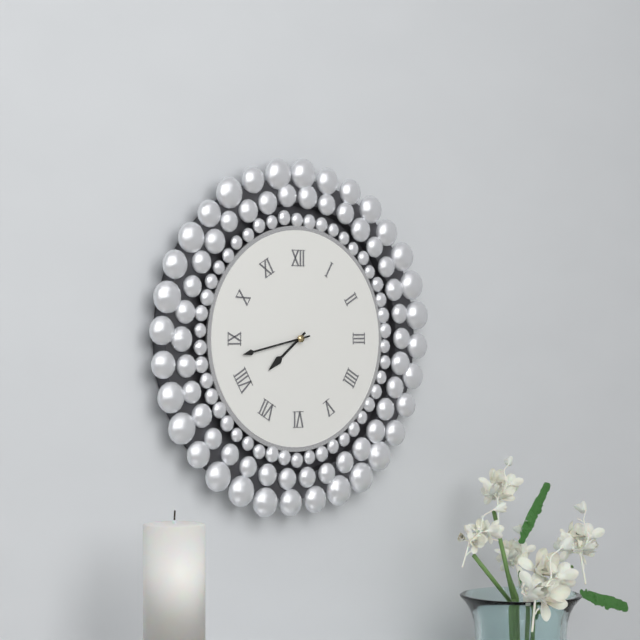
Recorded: h=7 m=43
